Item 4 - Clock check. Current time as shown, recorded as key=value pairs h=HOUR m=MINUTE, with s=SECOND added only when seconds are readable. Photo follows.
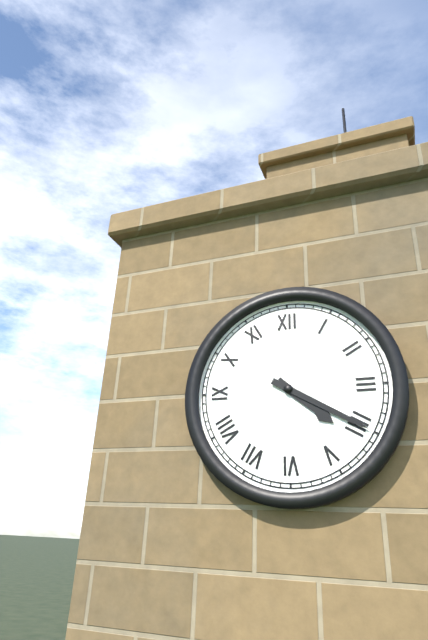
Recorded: h=4 m=20
